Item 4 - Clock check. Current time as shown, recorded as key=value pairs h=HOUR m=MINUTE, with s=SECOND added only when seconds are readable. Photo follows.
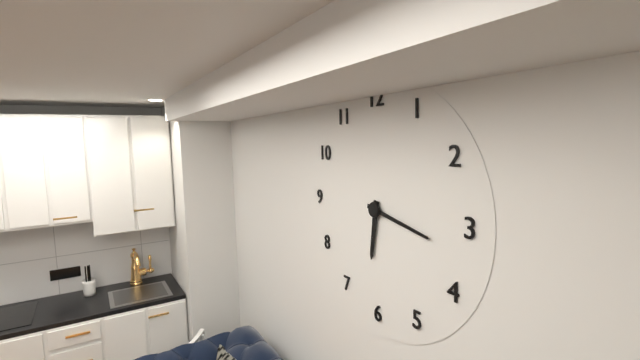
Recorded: h=6 m=17
